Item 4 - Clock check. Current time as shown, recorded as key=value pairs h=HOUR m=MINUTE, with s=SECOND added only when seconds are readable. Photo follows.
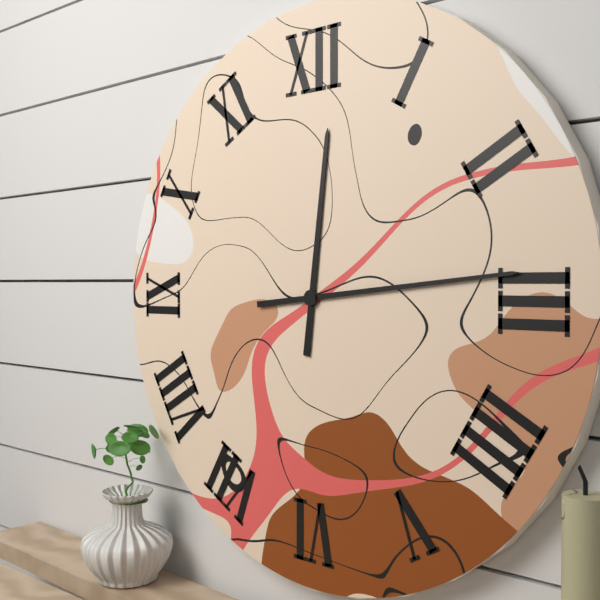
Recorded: h=12 m=14
